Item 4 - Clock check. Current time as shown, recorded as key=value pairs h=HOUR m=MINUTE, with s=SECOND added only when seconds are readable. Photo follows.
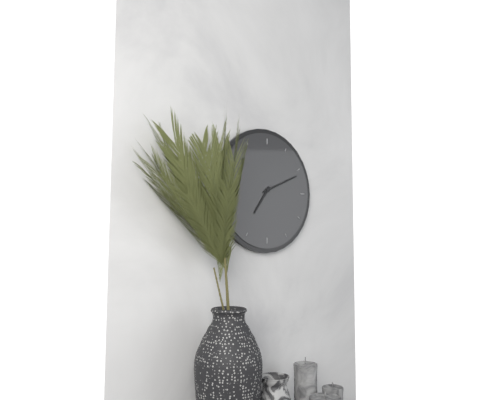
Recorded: h=7 m=11
